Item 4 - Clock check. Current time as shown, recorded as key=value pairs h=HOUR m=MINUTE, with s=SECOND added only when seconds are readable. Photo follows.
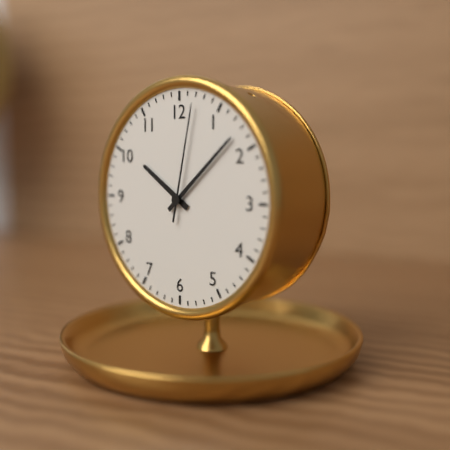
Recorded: h=10 m=8 s=2
